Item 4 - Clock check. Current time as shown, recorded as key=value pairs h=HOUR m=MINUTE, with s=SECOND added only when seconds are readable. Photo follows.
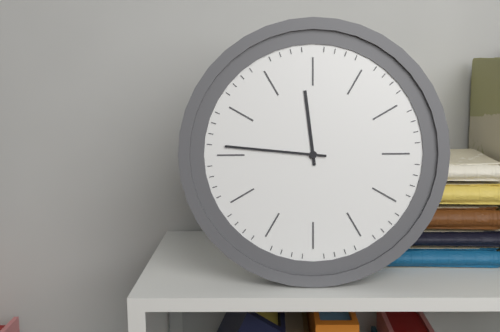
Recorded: h=11 m=46
